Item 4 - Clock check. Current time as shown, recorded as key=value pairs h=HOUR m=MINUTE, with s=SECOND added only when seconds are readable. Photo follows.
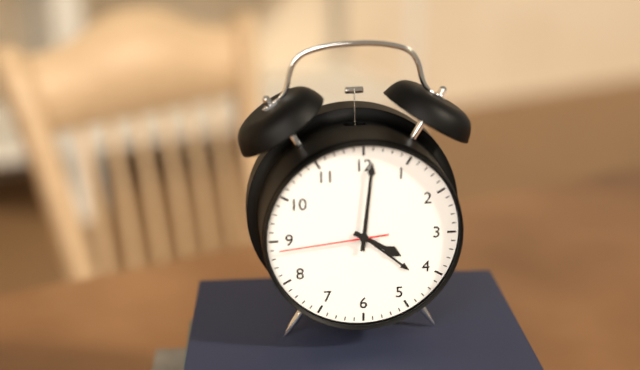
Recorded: h=4 m=1 s=44
